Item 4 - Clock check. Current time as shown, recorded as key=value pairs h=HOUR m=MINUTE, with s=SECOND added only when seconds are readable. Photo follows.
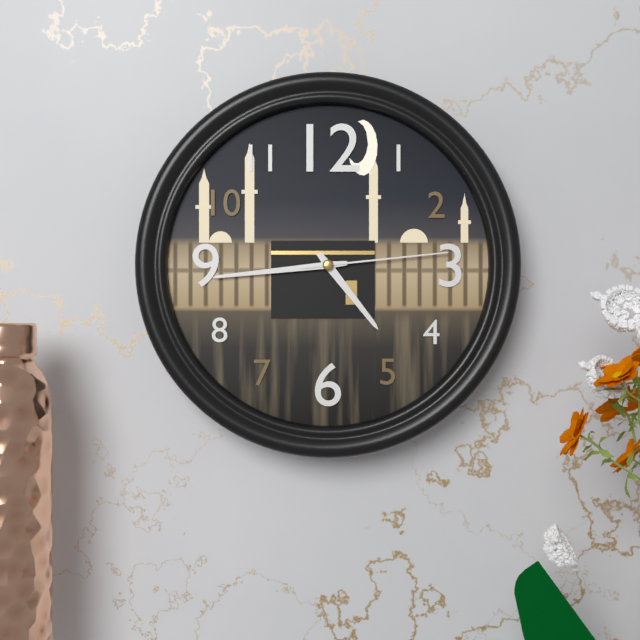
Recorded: h=4 m=44 s=14
